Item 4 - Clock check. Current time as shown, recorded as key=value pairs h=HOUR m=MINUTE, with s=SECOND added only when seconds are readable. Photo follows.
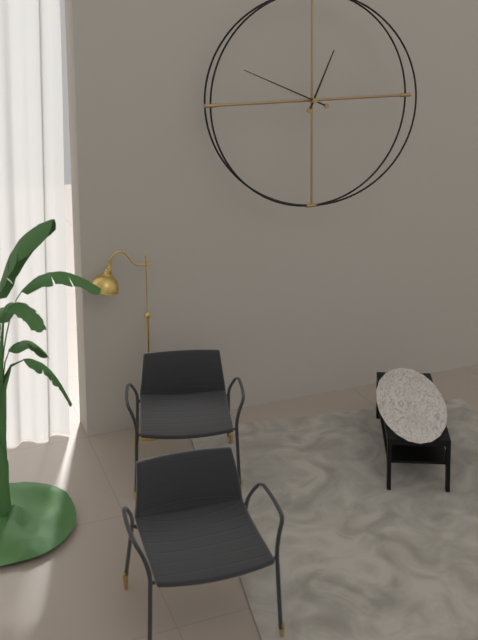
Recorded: h=12 m=49
